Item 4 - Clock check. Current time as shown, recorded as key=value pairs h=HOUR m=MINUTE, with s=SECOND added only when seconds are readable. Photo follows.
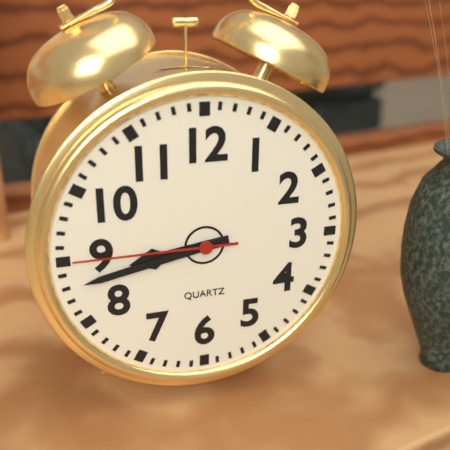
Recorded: h=8 m=43 s=45
